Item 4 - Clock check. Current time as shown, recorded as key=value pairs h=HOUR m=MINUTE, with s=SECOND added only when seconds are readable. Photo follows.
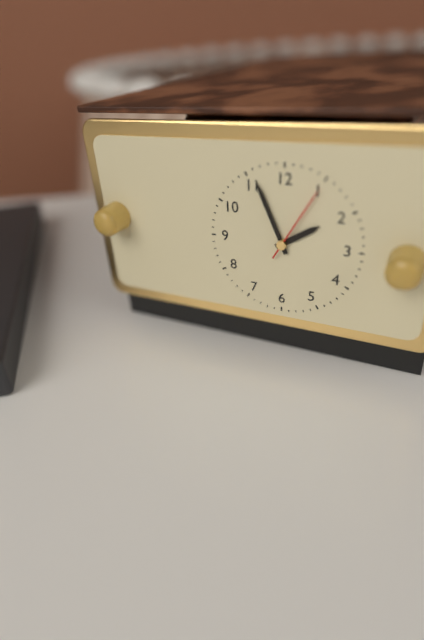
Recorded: h=1 m=56 s=5
